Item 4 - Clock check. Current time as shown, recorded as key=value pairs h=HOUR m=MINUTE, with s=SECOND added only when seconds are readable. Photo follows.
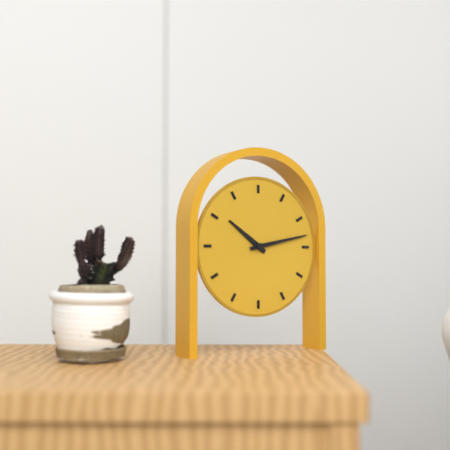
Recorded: h=10 m=13
